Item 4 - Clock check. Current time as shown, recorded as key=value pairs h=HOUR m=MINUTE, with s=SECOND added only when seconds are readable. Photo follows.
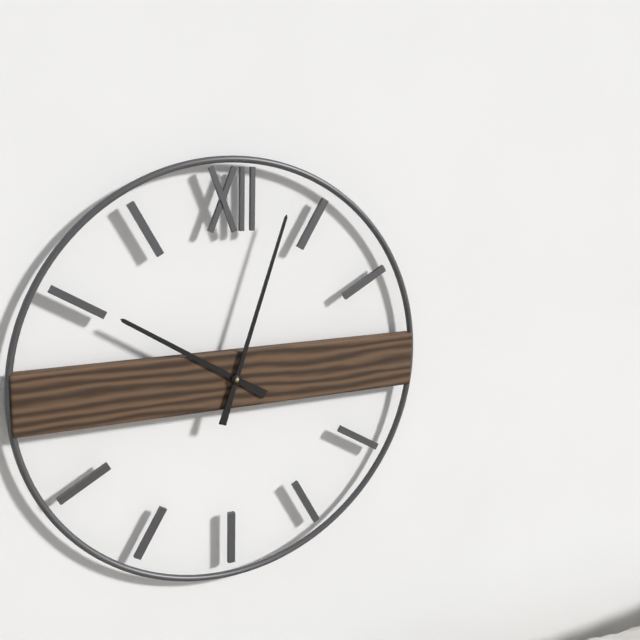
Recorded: h=10 m=3
